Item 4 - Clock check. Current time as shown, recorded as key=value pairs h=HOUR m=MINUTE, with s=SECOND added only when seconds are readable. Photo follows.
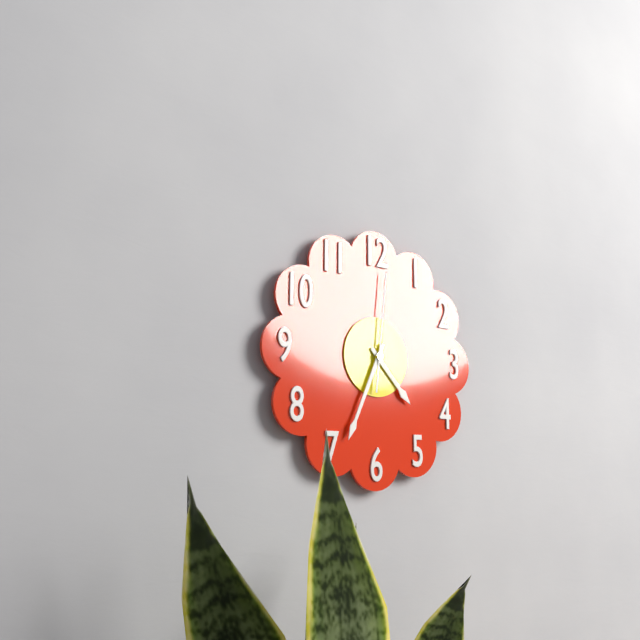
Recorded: h=4 m=34 s=1
